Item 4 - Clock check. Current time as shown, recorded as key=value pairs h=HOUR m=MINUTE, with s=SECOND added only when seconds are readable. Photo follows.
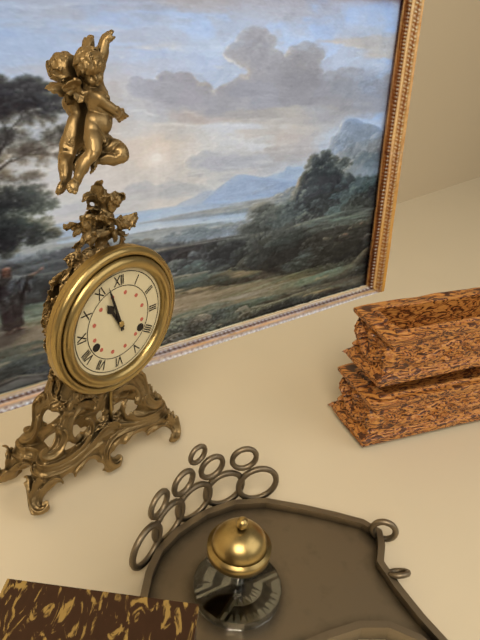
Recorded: h=10 m=57
